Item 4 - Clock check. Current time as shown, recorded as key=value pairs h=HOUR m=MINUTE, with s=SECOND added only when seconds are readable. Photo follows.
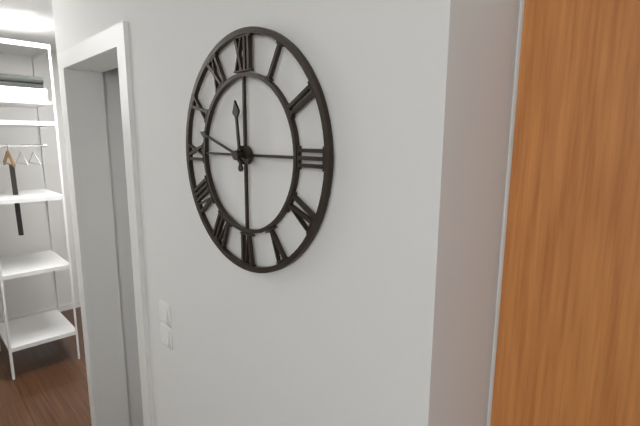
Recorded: h=11 m=48
